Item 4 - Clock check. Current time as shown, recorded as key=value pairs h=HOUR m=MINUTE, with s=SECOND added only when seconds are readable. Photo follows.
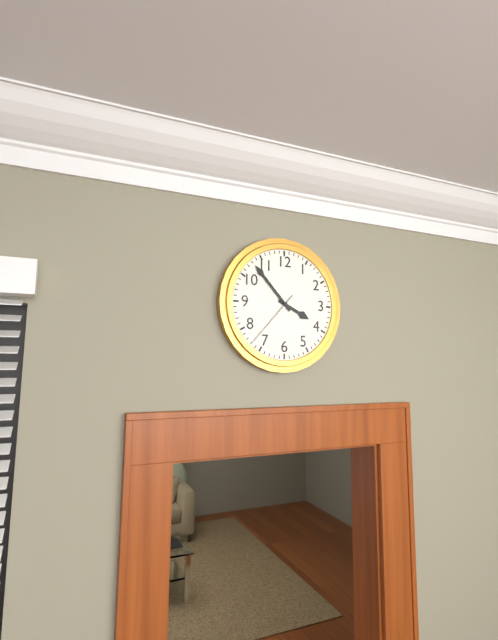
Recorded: h=3 m=53 s=37
